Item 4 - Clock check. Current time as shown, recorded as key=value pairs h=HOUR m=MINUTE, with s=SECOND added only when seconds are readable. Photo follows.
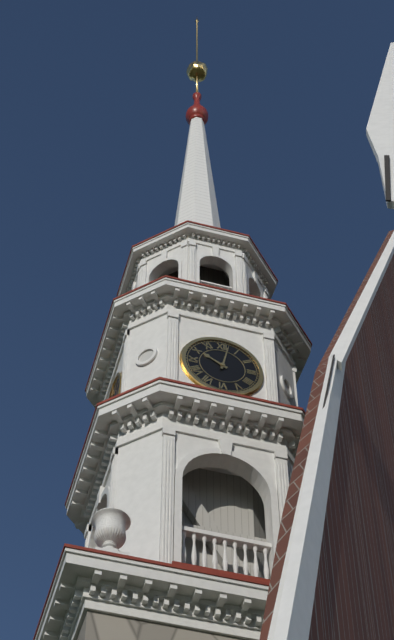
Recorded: h=10 m=2
